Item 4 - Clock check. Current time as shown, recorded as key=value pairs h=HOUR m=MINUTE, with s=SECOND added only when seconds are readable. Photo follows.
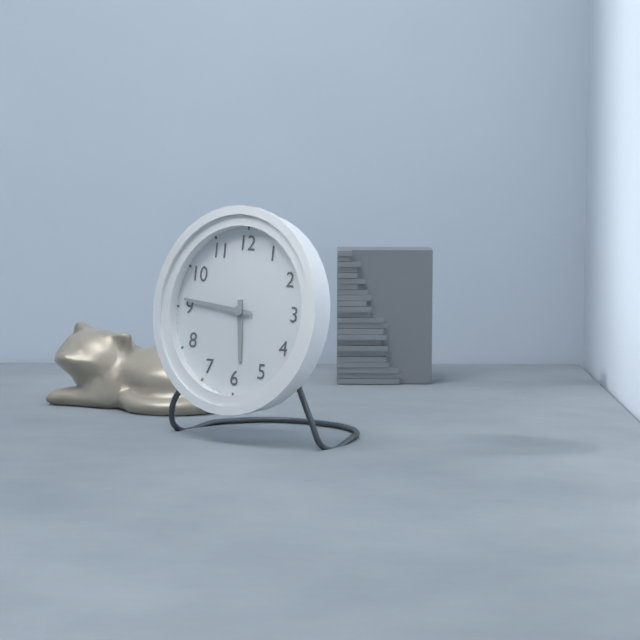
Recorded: h=5 m=46
